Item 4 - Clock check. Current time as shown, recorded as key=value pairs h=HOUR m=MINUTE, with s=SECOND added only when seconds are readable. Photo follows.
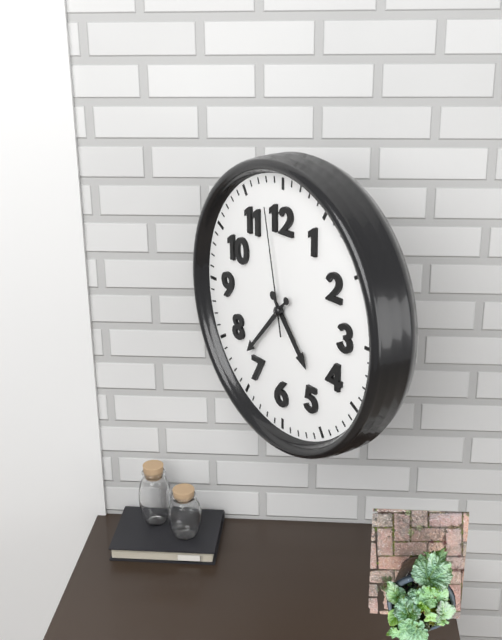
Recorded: h=4 m=37 s=58
